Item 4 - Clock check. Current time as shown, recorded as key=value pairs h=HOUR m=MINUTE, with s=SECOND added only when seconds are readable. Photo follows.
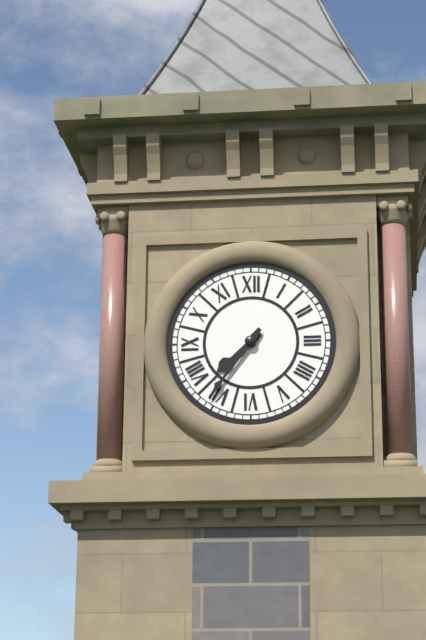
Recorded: h=7 m=36
